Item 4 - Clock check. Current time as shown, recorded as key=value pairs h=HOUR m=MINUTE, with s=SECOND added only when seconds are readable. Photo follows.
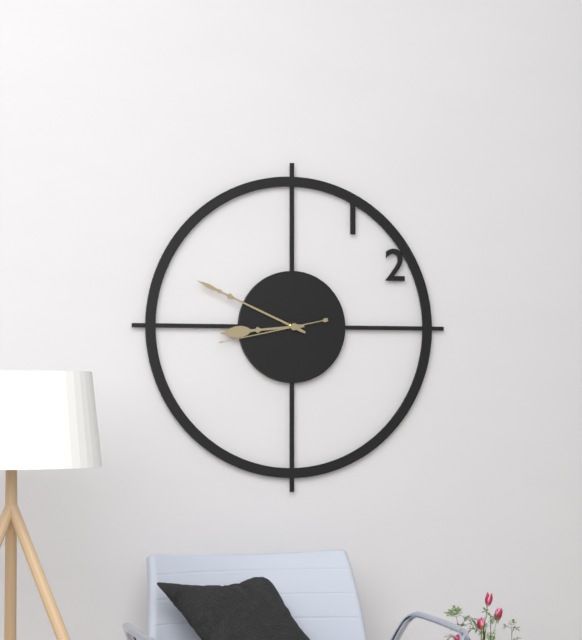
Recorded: h=8 m=49 s=43
